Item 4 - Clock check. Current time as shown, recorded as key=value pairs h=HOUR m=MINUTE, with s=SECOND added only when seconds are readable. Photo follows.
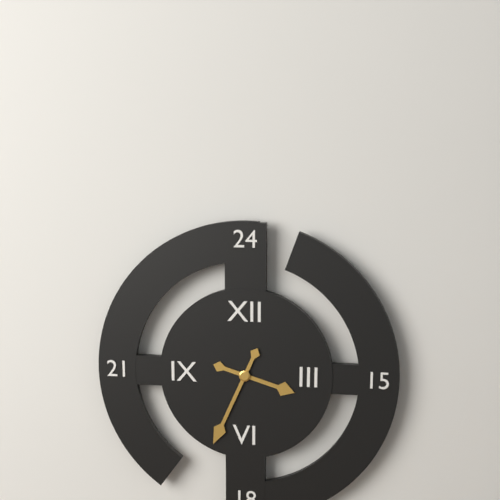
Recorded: h=3 m=34
